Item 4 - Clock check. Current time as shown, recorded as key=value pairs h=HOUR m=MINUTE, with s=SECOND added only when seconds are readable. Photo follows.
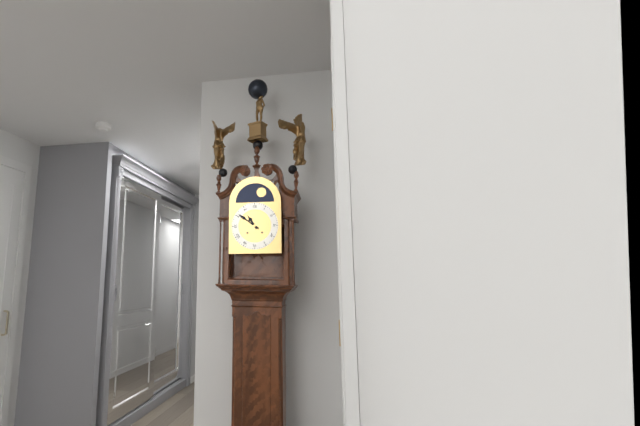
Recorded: h=10 m=51
